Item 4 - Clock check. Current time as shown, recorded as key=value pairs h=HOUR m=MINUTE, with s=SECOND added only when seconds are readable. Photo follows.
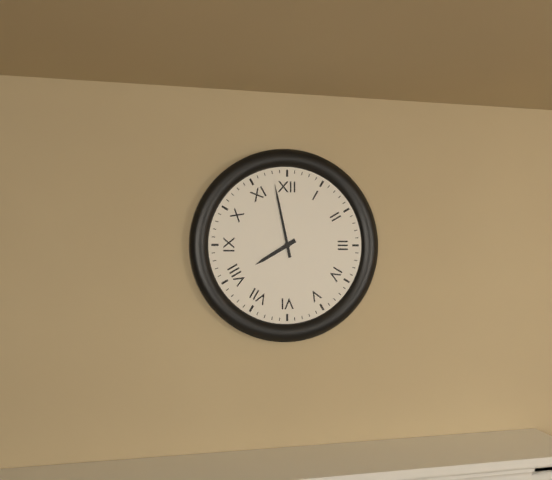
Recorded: h=7 m=58
